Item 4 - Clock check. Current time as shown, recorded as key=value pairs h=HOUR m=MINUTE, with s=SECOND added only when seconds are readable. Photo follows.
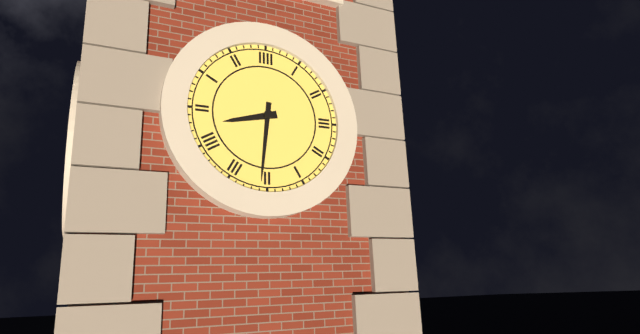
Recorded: h=8 m=31
